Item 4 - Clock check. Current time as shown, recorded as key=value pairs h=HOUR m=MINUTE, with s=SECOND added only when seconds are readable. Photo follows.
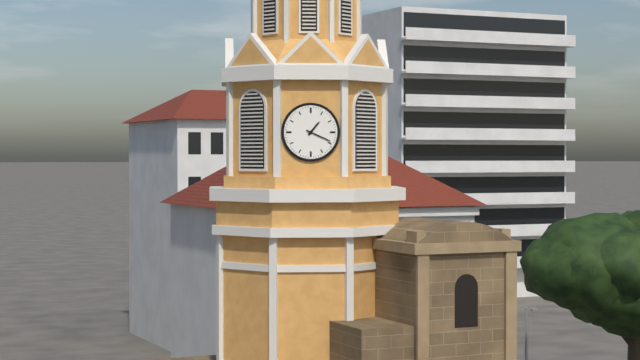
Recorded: h=1 m=19
